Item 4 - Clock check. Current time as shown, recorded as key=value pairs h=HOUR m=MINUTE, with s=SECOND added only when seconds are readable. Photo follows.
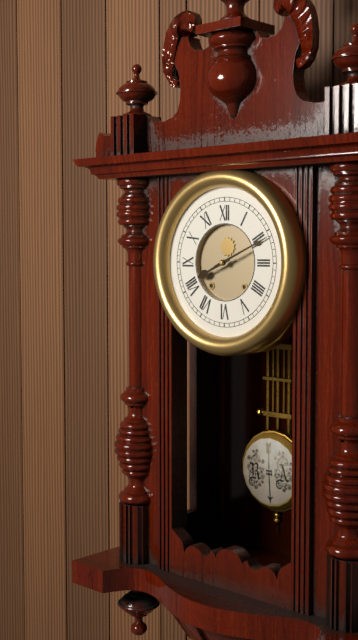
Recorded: h=8 m=11
